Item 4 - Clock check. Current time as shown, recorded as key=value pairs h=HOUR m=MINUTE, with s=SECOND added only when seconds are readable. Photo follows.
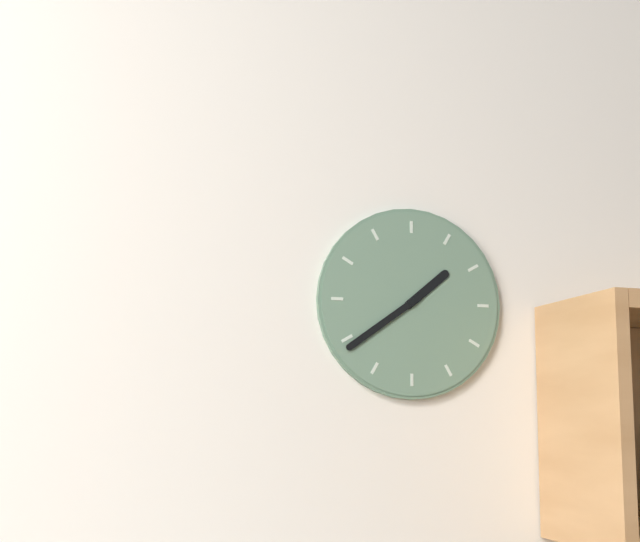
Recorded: h=1 m=39
